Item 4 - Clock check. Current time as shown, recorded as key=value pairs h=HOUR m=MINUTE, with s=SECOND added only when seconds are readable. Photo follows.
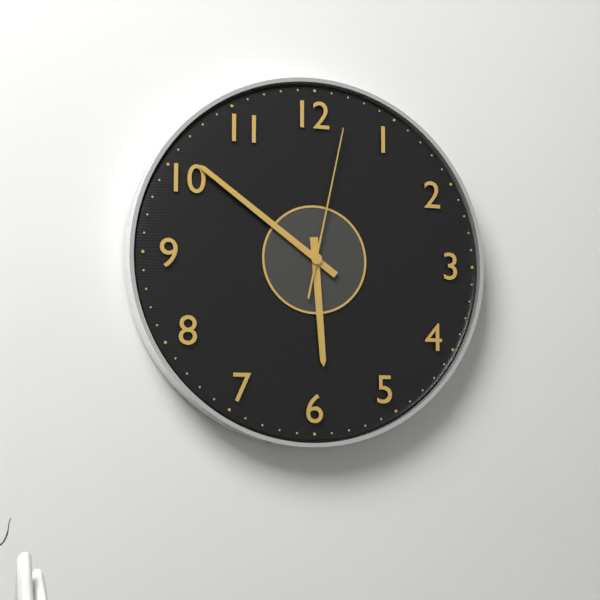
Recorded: h=5 m=51 s=2
